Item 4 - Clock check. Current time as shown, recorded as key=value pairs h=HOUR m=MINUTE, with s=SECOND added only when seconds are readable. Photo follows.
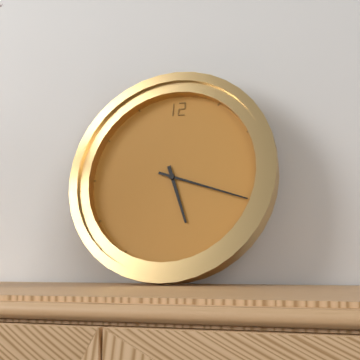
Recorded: h=5 m=18
